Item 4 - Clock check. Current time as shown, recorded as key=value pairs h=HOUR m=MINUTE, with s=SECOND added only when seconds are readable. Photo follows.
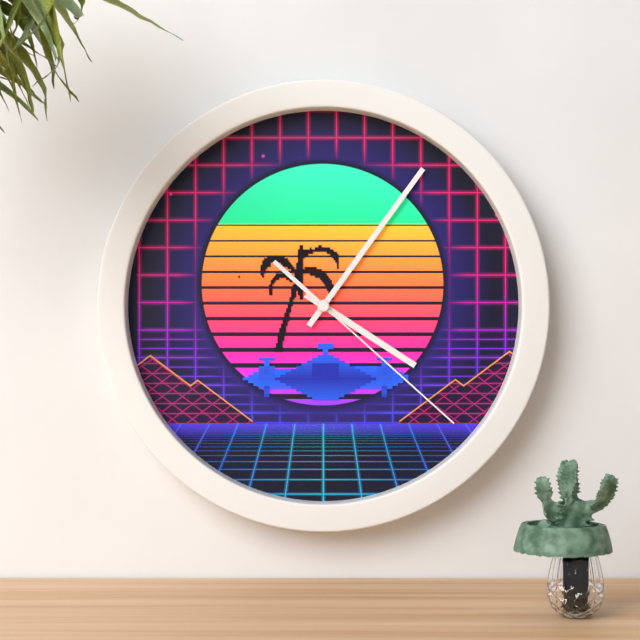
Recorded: h=4 m=6 s=22
